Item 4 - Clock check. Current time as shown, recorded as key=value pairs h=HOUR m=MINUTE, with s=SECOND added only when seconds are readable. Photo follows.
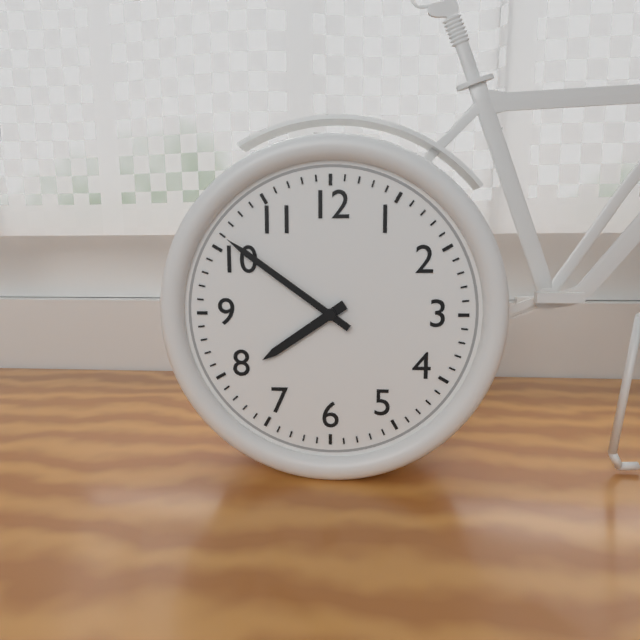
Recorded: h=7 m=51
